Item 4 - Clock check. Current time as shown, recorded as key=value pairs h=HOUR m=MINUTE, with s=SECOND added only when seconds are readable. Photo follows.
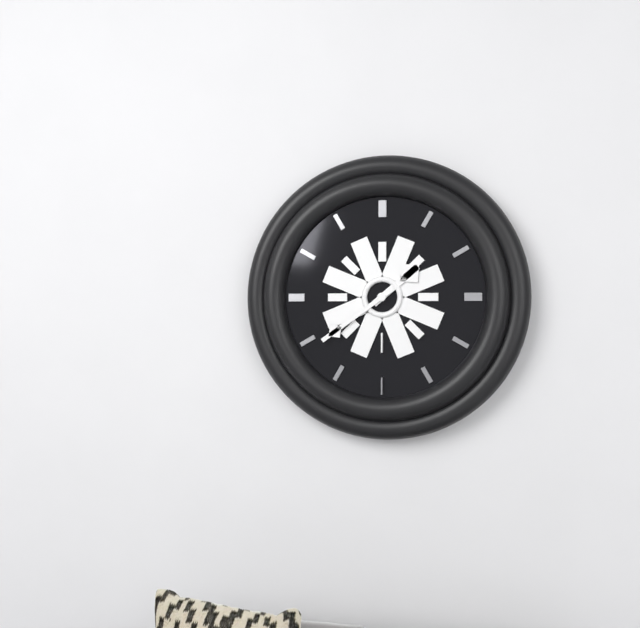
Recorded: h=1 m=39
